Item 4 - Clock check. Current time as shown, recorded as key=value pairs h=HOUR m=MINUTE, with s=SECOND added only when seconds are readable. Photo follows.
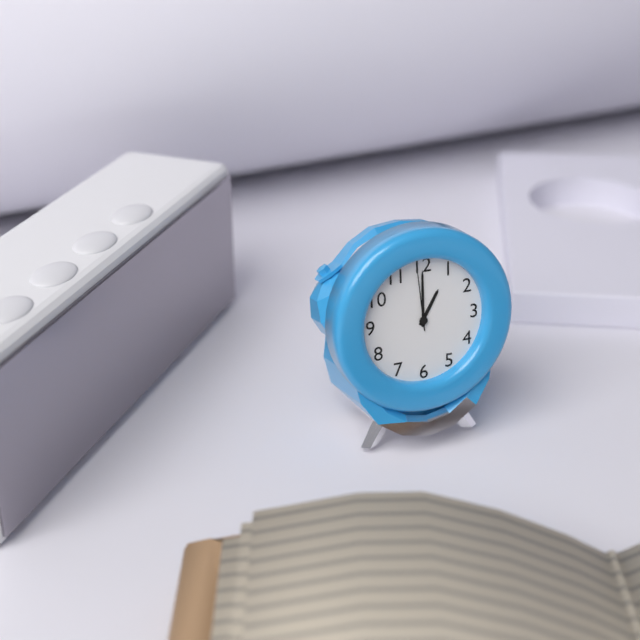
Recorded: h=1 m=0 s=59
